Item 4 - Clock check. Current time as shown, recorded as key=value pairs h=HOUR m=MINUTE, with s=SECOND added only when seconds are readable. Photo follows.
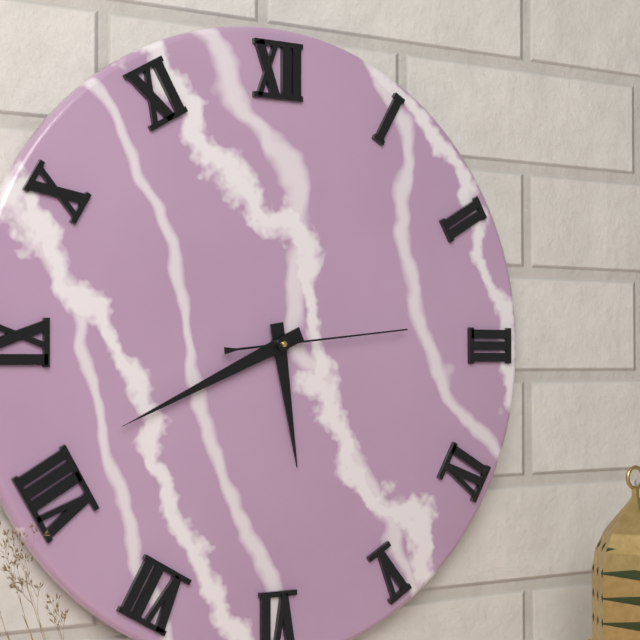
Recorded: h=5 m=41 s=14
